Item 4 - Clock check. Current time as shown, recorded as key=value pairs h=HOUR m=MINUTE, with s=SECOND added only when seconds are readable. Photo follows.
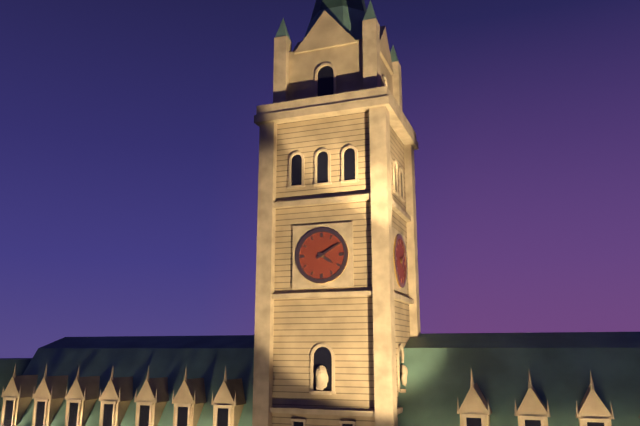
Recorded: h=4 m=10
